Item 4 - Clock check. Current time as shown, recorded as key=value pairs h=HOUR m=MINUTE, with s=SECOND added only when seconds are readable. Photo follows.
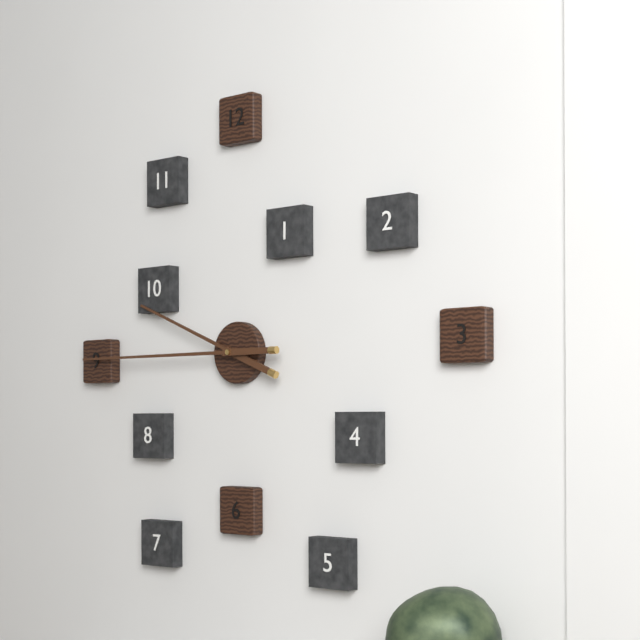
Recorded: h=9 m=45
